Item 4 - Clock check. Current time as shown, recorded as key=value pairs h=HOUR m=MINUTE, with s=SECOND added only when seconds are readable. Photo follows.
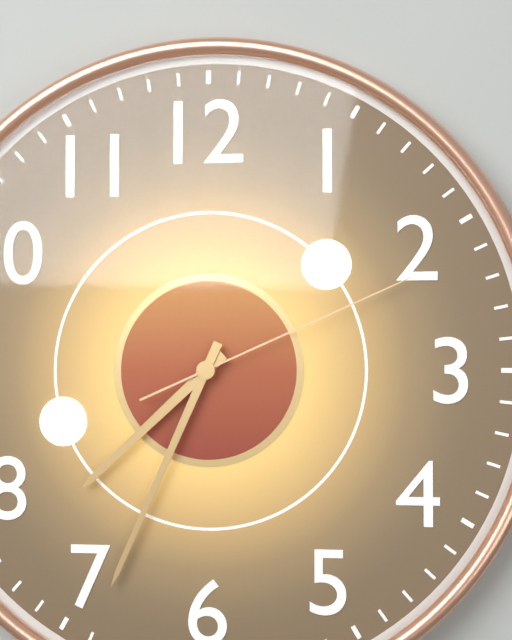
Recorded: h=7 m=34 s=11
